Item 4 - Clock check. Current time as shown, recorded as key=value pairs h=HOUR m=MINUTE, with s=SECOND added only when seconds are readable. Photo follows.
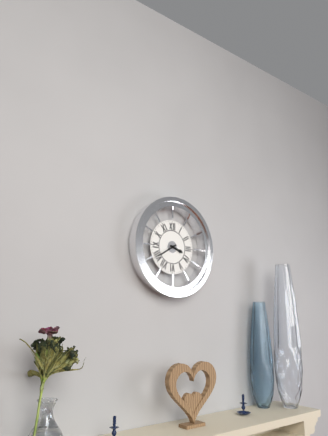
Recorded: h=3 m=40
